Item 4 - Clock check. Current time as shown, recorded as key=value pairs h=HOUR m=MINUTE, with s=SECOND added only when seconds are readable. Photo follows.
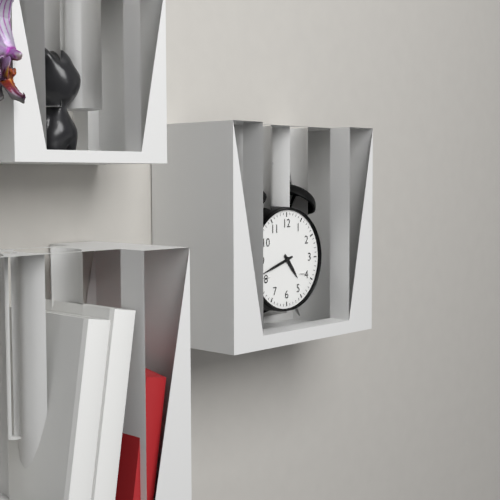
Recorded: h=4 m=42
